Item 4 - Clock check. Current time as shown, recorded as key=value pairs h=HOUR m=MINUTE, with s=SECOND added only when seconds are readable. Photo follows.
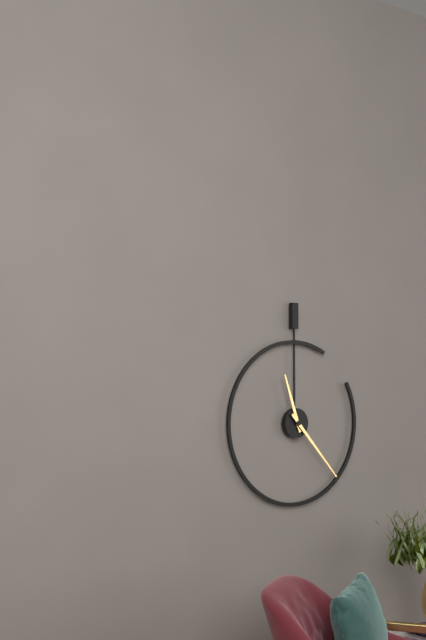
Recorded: h=11 m=23
